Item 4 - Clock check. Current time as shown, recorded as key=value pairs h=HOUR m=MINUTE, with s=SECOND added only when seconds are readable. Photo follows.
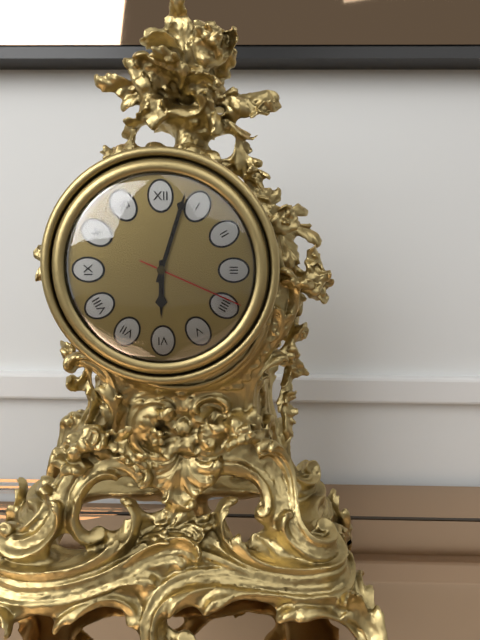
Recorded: h=6 m=3 s=19
